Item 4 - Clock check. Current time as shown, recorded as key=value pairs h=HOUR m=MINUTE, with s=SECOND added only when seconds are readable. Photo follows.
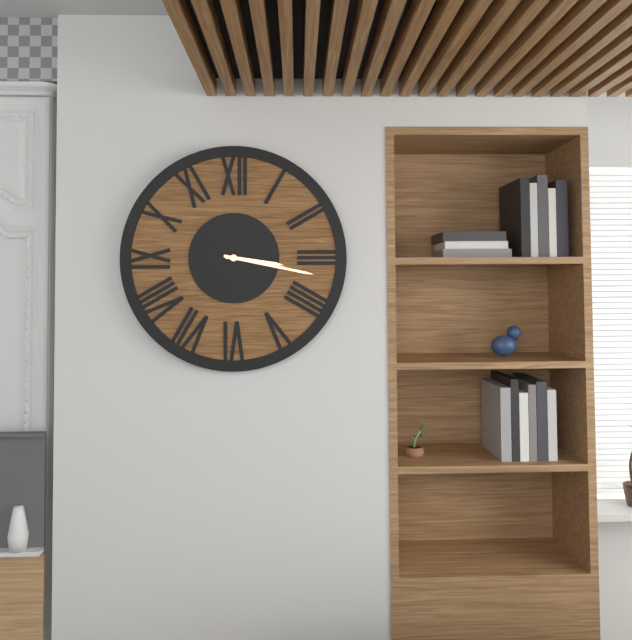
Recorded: h=3 m=17
